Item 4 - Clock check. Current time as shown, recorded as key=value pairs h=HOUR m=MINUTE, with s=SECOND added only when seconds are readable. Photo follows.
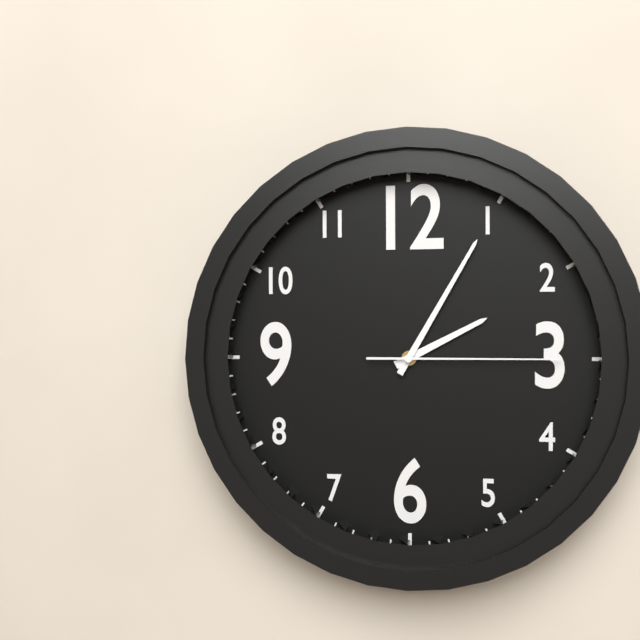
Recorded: h=2 m=5 s=15
